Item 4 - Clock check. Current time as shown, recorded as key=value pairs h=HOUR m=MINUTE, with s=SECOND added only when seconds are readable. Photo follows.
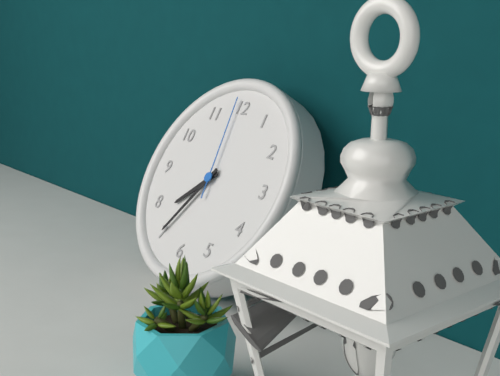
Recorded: h=7 m=35 s=59
